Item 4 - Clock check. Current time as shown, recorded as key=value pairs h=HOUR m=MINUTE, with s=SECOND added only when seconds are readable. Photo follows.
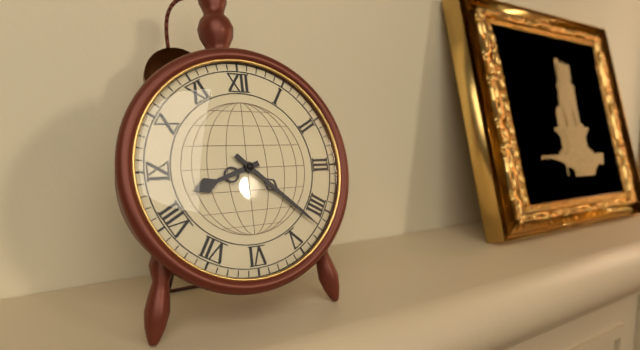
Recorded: h=8 m=22
